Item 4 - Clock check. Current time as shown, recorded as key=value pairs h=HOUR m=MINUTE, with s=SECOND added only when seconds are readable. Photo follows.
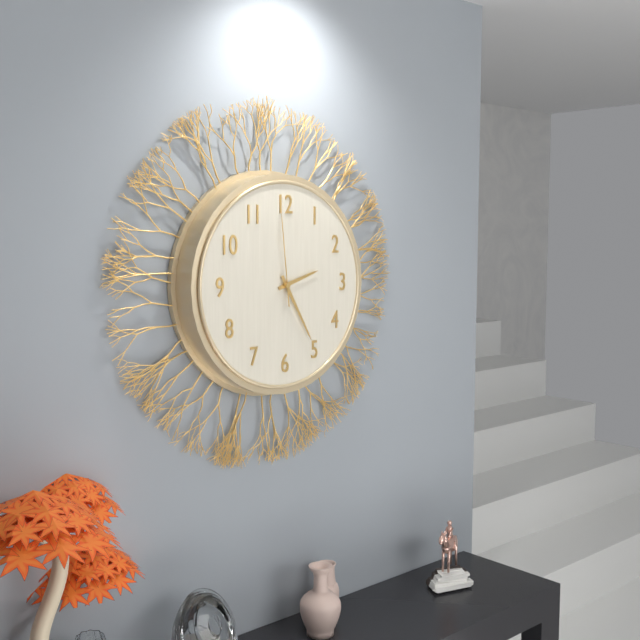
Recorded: h=2 m=25 s=59
